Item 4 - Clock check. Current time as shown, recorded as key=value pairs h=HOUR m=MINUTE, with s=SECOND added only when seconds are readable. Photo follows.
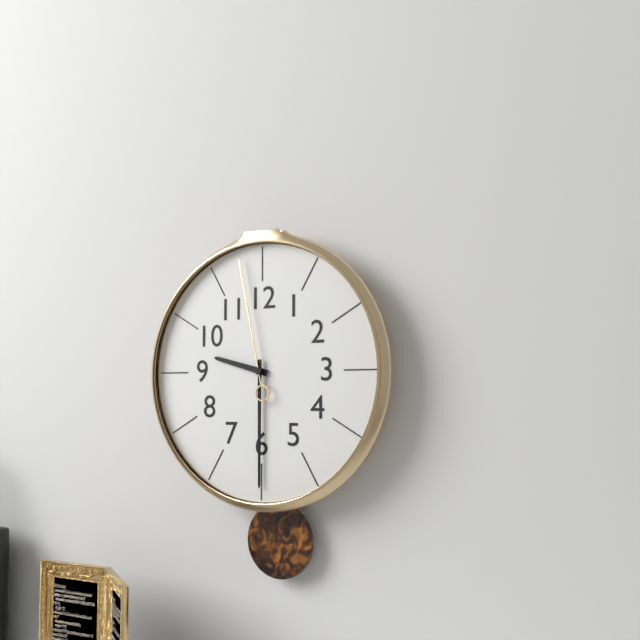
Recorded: h=9 m=30 s=58
